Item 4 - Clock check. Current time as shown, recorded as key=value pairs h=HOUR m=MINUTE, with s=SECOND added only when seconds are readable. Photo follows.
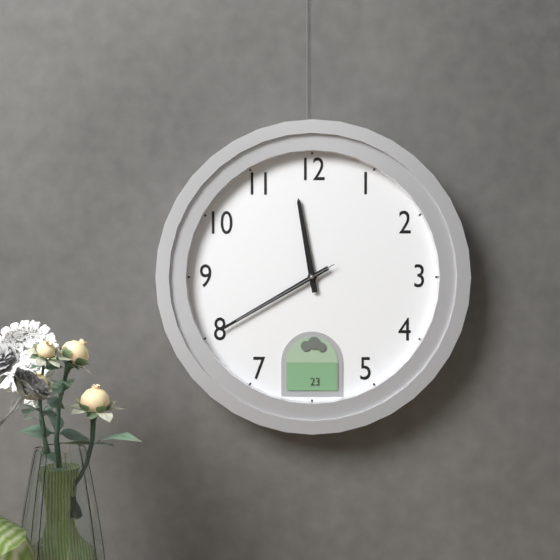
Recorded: h=11 m=40 s=40
